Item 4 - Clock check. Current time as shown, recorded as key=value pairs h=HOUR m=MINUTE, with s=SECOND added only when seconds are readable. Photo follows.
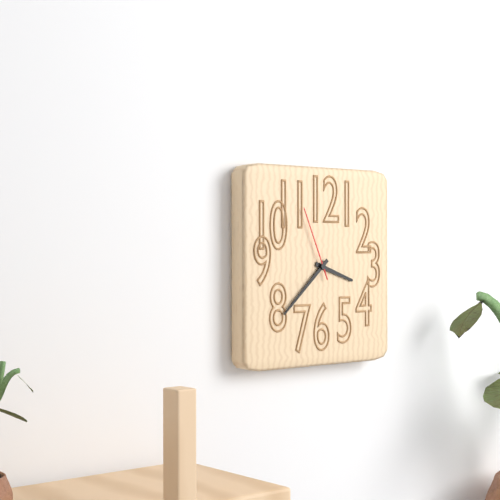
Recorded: h=3 m=38 s=56
